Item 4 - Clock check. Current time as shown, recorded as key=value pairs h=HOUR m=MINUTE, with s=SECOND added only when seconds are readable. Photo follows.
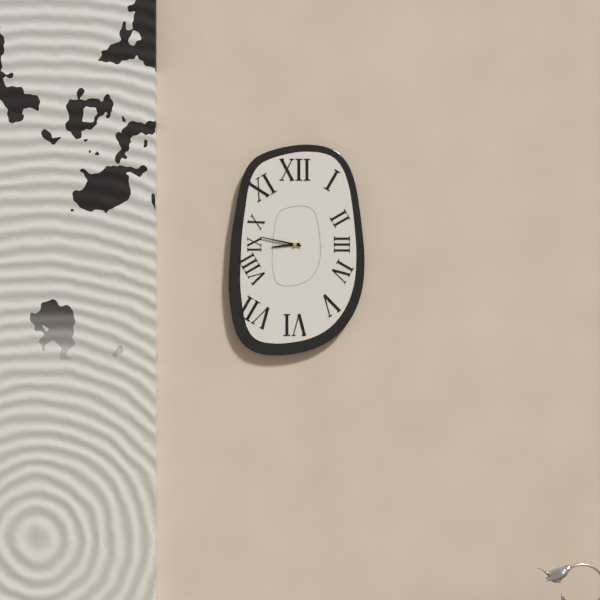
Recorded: h=8 m=47
